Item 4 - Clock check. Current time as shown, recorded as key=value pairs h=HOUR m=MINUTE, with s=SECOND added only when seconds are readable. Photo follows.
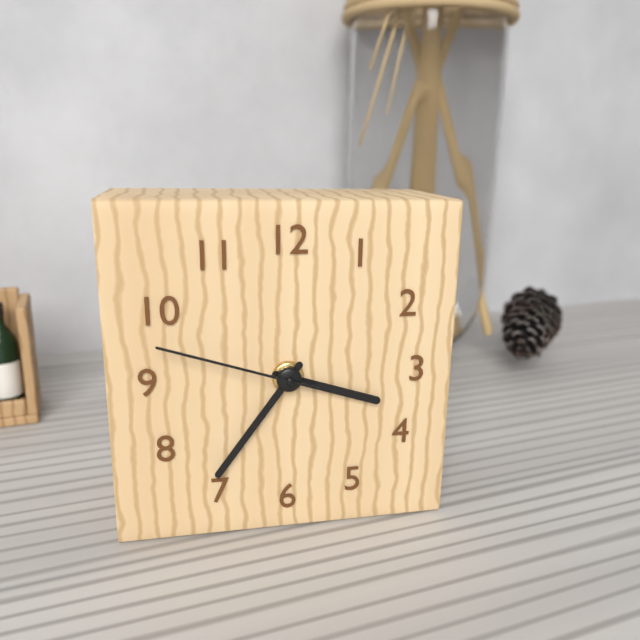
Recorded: h=3 m=36 s=48
